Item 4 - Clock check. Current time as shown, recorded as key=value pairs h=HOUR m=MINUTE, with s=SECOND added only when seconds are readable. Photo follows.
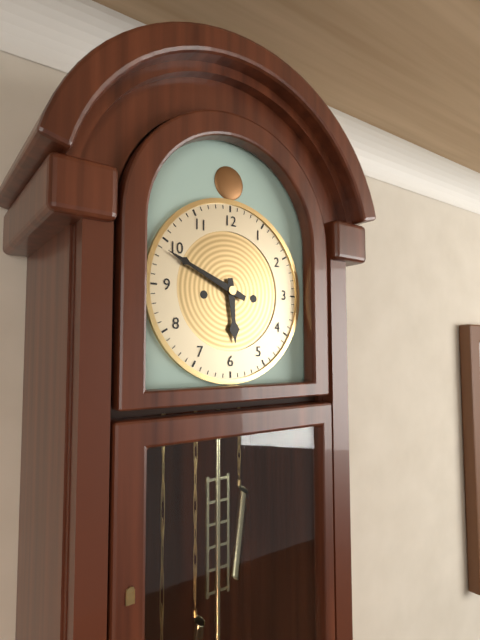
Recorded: h=5 m=49
